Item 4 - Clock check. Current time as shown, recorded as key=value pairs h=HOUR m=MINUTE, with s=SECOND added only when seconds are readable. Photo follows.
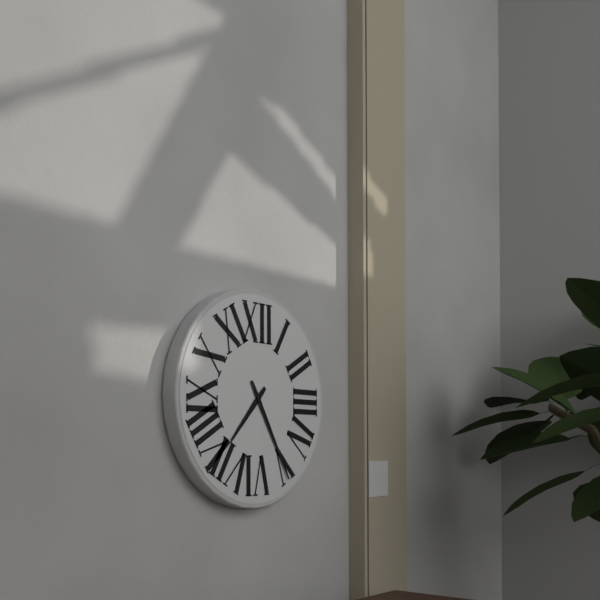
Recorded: h=7 m=25
